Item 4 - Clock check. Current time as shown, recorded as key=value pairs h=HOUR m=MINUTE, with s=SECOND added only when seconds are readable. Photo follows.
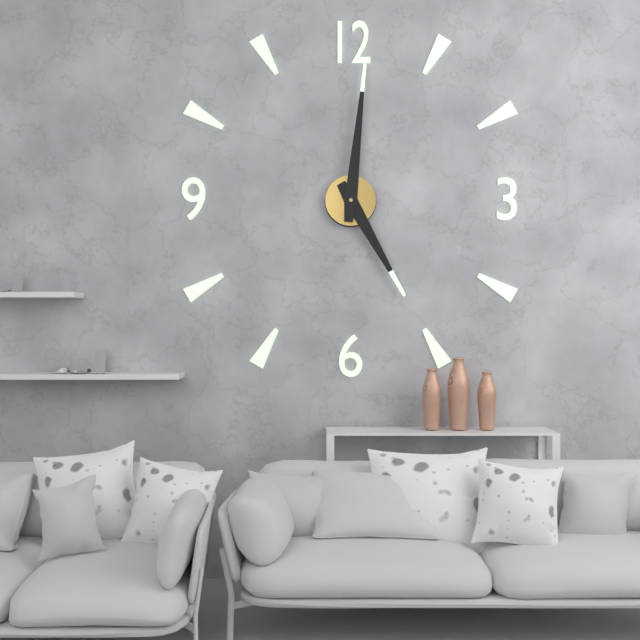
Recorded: h=5 m=1
